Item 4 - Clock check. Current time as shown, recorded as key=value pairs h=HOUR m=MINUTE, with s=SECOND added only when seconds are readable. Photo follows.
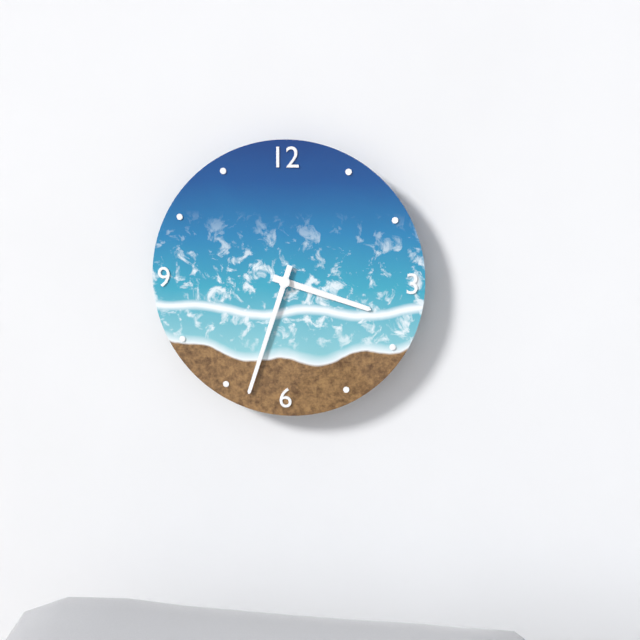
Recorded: h=3 m=33
